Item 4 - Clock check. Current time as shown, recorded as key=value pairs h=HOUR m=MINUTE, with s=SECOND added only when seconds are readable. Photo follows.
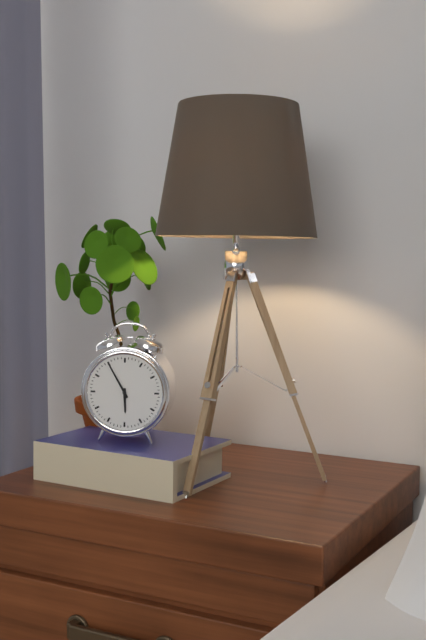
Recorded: h=5 m=55
